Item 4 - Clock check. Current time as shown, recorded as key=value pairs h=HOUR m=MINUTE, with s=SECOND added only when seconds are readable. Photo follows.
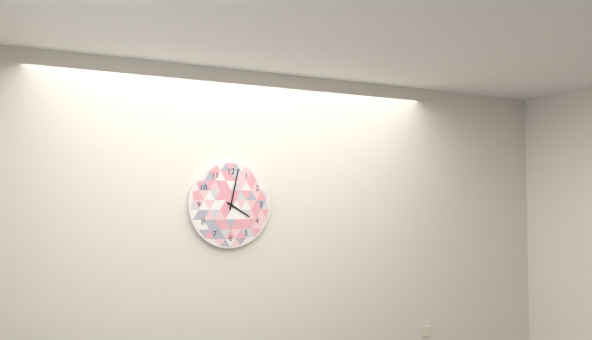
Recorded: h=4 m=2
